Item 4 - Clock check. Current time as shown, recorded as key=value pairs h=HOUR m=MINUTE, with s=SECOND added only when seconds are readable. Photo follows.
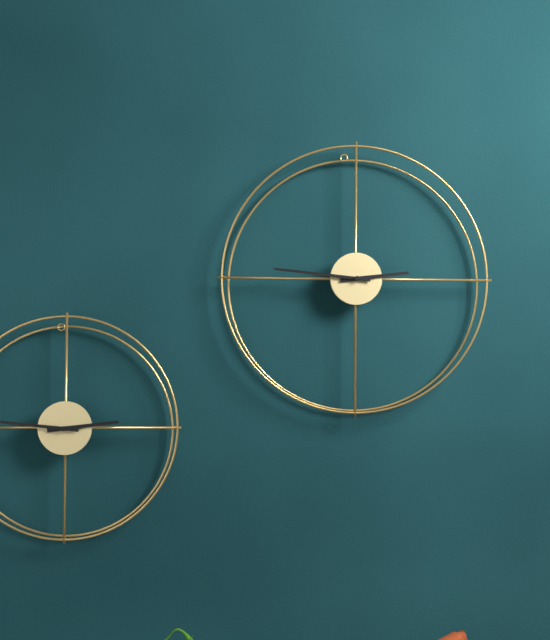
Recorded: h=2 m=46
